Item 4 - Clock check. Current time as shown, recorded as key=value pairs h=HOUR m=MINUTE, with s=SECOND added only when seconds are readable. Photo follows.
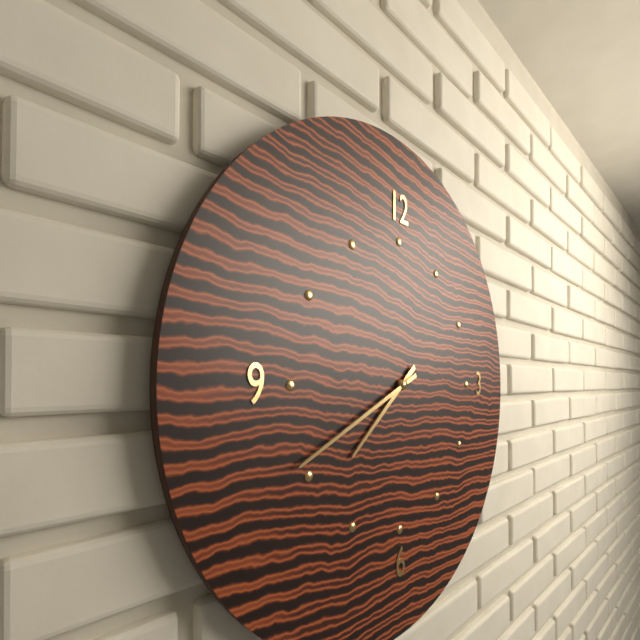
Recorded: h=7 m=41
